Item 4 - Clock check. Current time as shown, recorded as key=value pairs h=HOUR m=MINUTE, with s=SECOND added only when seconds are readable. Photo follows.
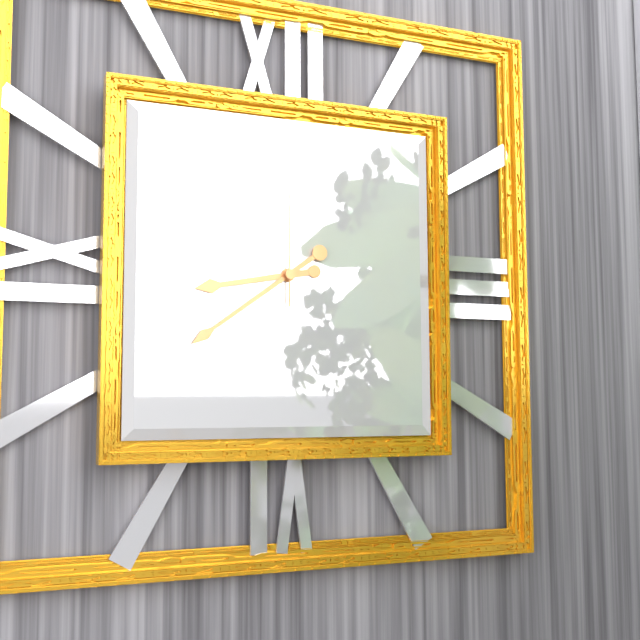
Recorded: h=8 m=39 s=0
